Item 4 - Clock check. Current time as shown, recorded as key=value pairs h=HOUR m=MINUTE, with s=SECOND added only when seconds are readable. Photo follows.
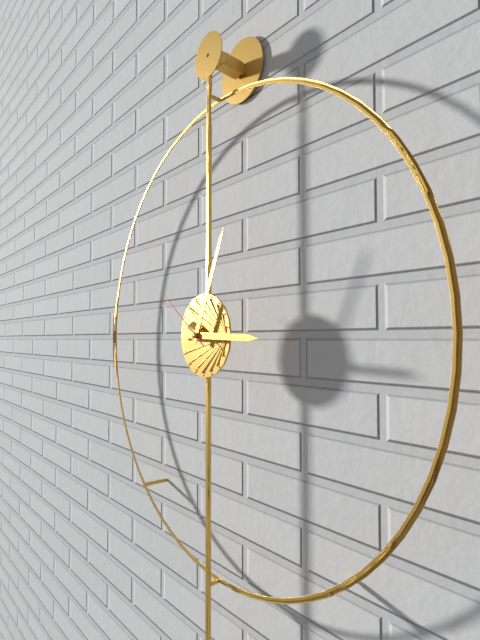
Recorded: h=3 m=4 s=51
